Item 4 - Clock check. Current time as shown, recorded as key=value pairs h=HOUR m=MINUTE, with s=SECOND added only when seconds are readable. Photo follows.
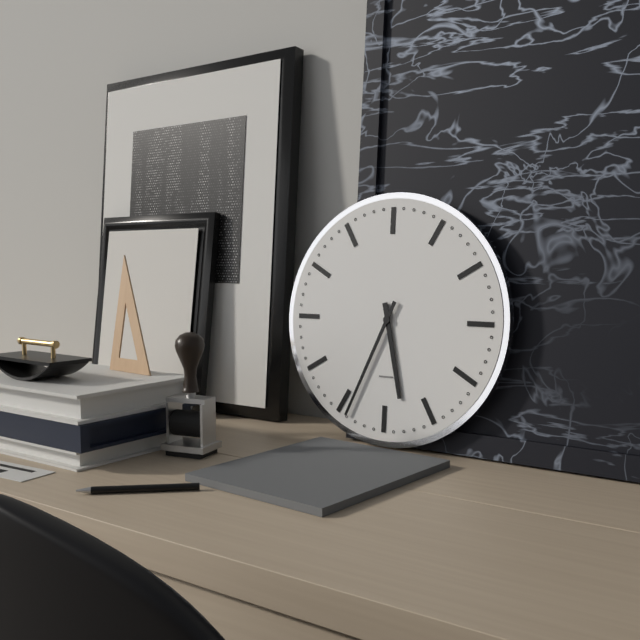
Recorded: h=5 m=34
